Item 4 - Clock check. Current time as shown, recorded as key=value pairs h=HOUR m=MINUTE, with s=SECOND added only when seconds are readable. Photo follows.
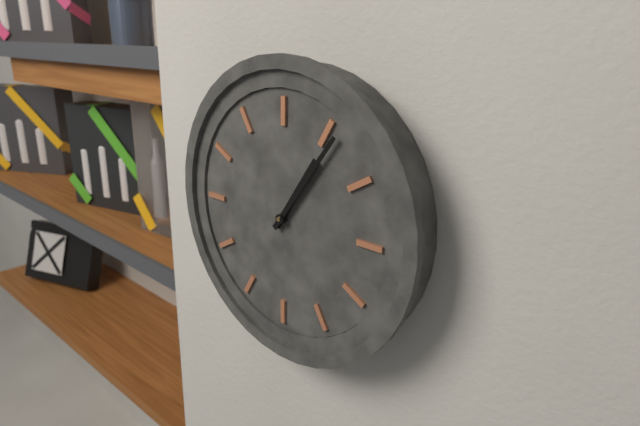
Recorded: h=1 m=6
